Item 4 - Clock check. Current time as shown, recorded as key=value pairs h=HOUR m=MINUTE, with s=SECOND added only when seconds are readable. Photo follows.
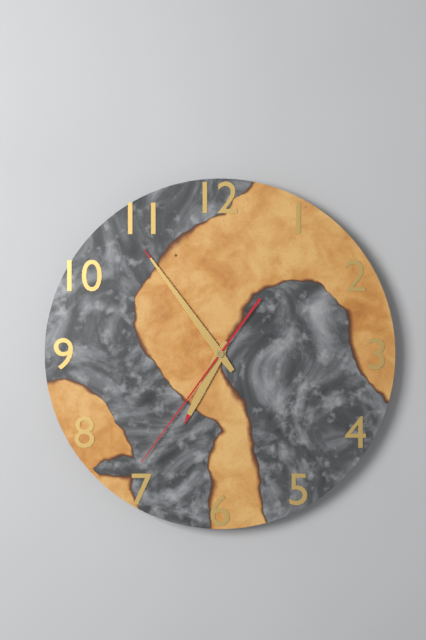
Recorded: h=6 m=54 s=36
